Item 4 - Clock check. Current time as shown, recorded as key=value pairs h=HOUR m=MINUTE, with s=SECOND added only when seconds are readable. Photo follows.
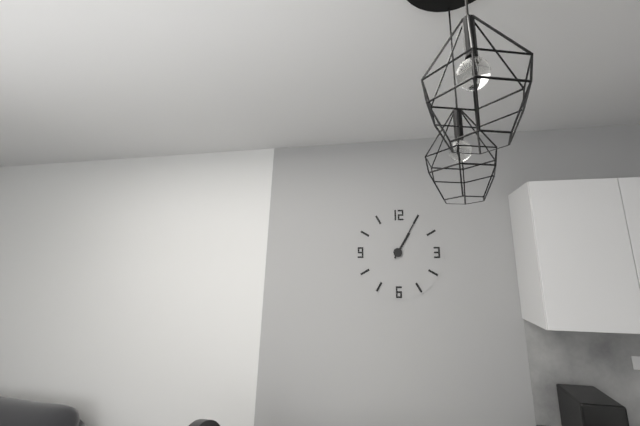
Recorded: h=1 m=5
